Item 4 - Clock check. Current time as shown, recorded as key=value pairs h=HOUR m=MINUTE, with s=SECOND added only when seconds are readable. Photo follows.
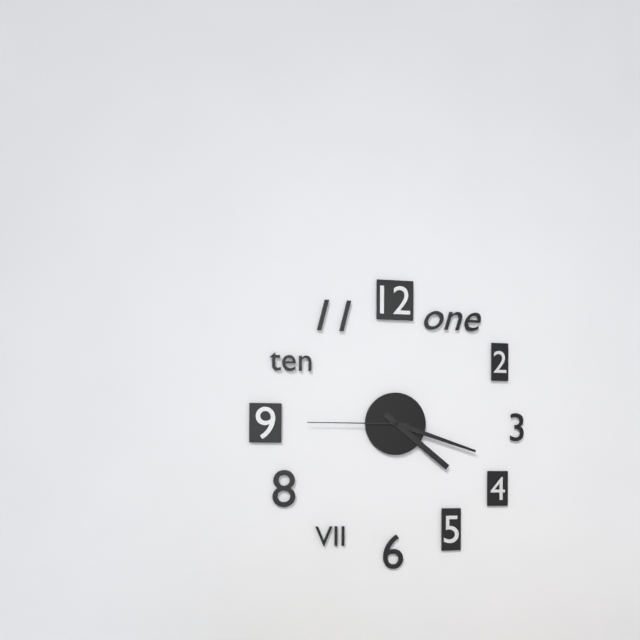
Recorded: h=4 m=18 s=45
